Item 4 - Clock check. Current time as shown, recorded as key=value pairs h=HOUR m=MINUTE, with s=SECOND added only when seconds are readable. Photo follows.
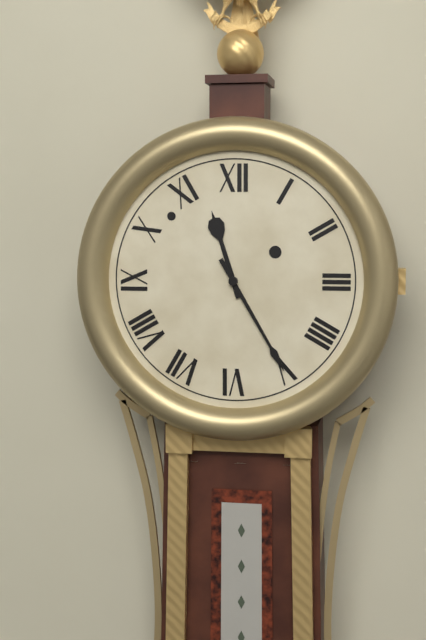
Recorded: h=11 m=25
